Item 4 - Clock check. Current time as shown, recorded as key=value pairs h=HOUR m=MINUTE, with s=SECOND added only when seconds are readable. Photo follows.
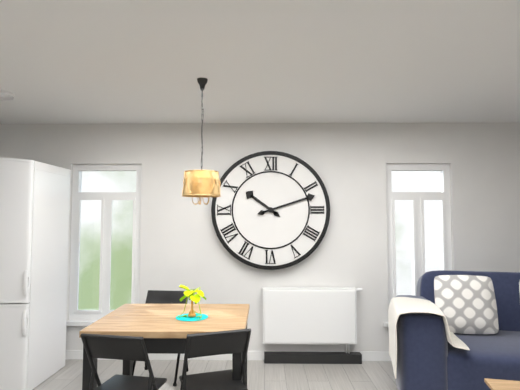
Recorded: h=10 m=12
